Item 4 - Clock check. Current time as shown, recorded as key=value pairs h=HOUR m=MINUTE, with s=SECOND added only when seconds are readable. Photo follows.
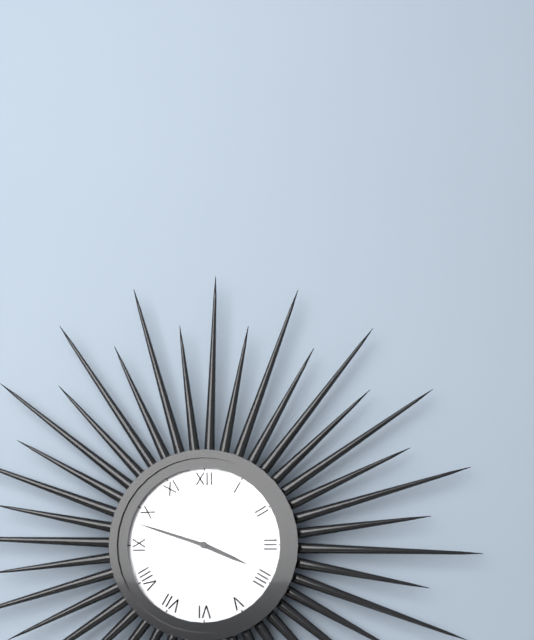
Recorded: h=3 m=48
